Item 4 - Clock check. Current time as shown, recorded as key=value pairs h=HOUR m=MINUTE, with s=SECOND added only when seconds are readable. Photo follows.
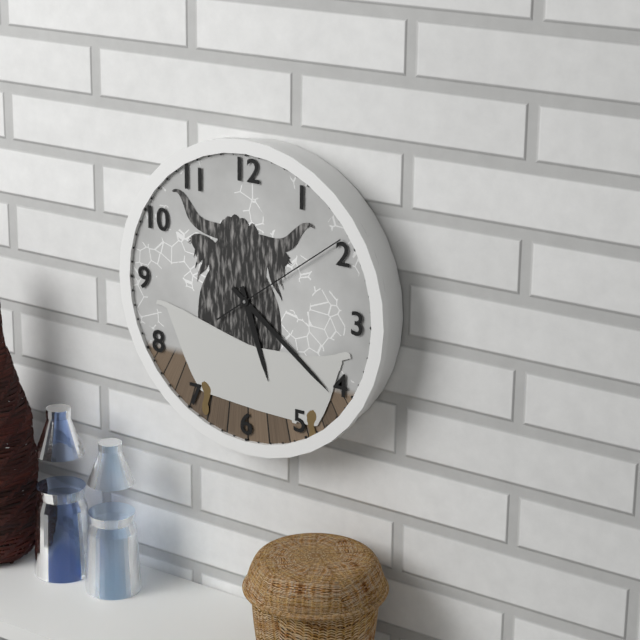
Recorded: h=5 m=21 s=9
